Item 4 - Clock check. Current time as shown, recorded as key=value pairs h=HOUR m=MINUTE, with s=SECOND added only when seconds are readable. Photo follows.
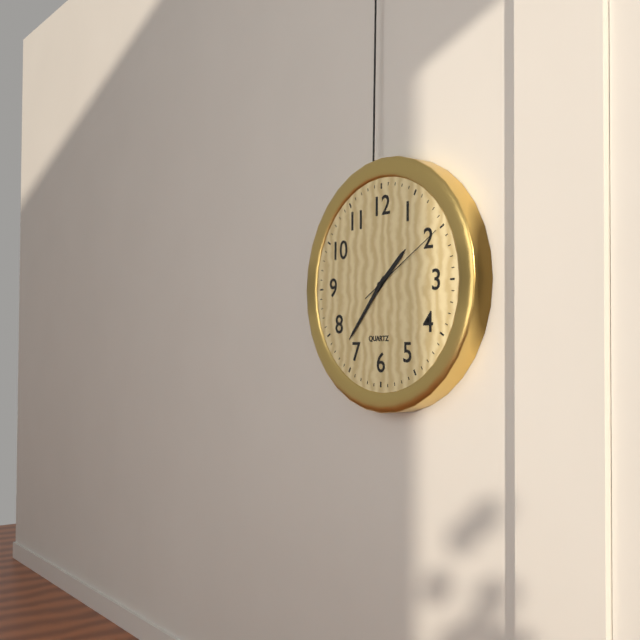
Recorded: h=1 m=37 s=10
